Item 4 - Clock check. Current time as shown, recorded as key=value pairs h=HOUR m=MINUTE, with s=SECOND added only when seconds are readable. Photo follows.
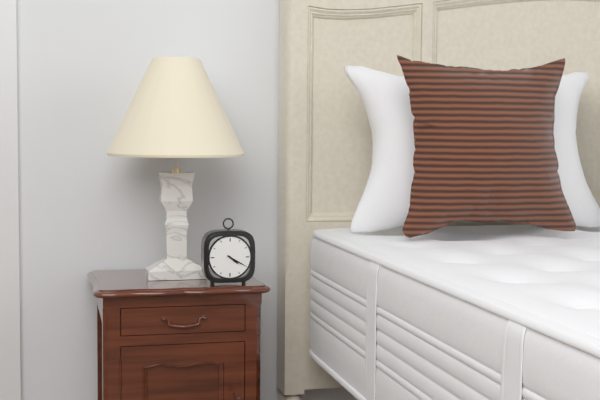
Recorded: h=4 m=20
